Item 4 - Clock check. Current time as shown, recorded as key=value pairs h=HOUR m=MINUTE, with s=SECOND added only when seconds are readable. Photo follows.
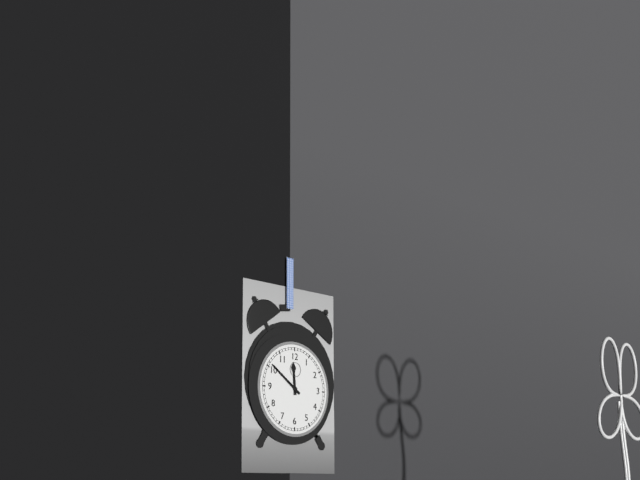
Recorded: h=11 m=51
